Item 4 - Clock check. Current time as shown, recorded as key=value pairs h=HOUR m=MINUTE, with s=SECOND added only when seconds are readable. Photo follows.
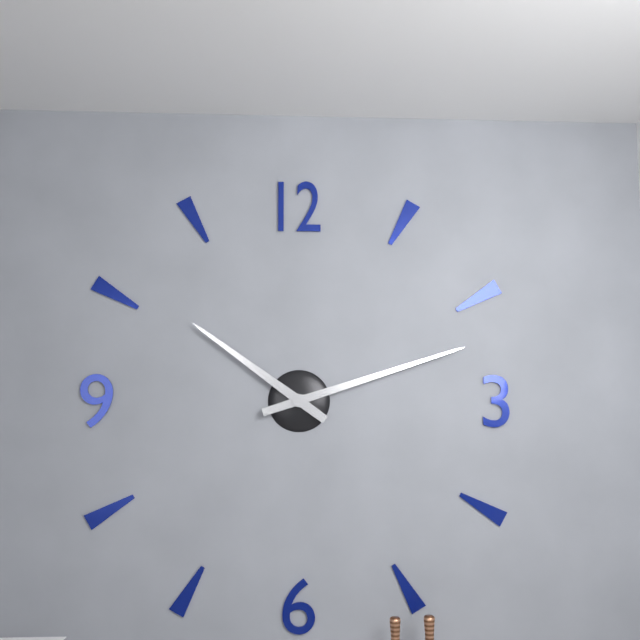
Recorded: h=10 m=12
